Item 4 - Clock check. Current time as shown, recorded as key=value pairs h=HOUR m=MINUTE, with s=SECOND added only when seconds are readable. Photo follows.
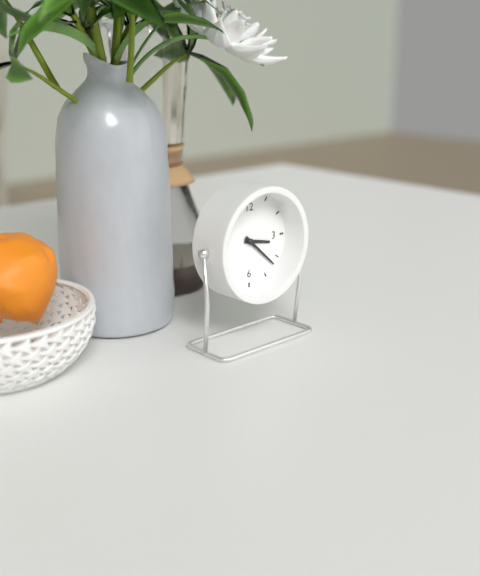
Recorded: h=3 m=22
